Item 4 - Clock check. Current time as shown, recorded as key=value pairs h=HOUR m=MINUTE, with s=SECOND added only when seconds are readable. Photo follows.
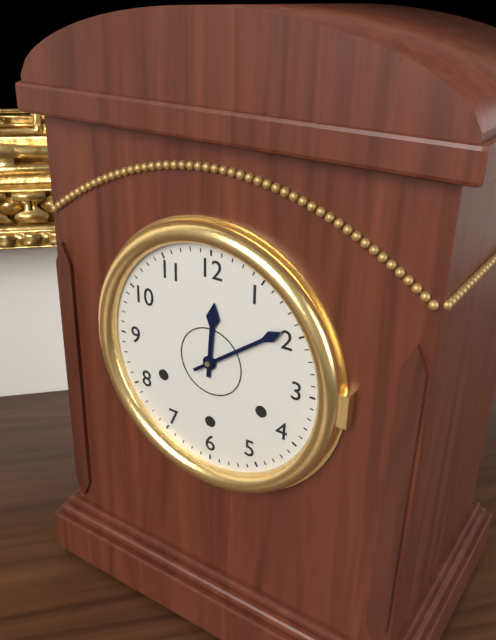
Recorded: h=12 m=9
